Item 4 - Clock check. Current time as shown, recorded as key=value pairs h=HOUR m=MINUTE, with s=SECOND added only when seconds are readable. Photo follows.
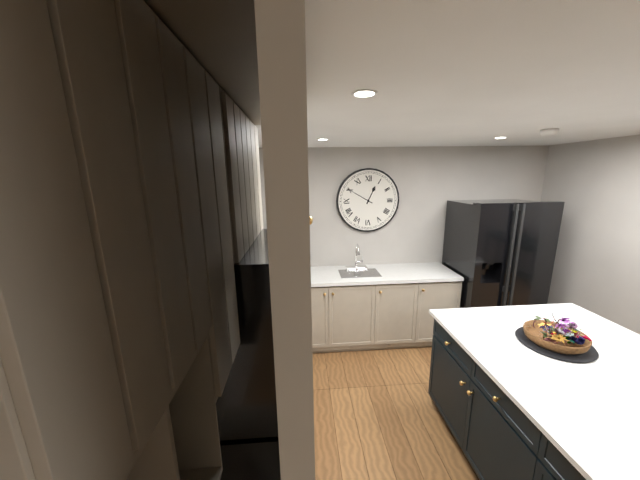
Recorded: h=12 m=50
